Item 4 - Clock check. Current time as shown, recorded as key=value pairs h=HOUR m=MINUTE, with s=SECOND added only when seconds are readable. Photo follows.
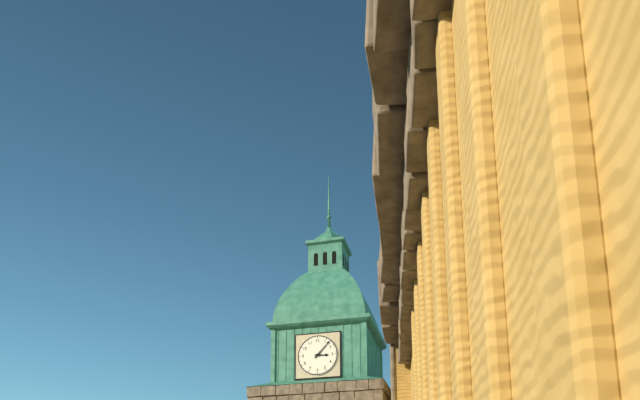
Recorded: h=3 m=7
